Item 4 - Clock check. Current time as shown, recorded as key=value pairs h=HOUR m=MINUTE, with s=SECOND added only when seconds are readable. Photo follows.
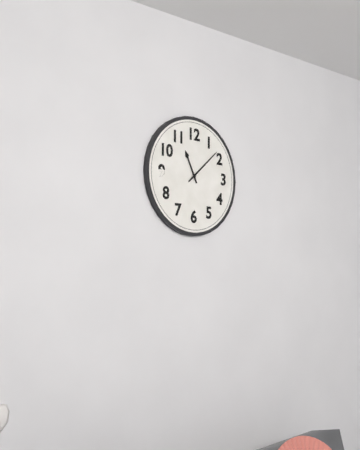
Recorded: h=11 m=8
